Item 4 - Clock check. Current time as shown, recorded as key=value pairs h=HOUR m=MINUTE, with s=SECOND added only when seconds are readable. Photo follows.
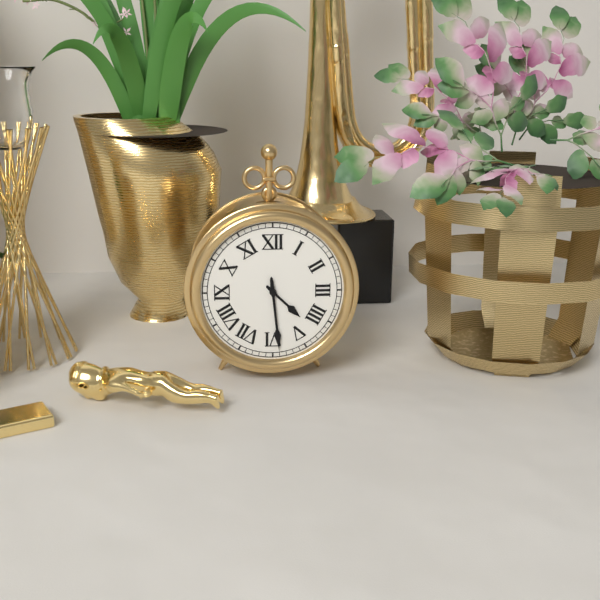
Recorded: h=4 m=29
